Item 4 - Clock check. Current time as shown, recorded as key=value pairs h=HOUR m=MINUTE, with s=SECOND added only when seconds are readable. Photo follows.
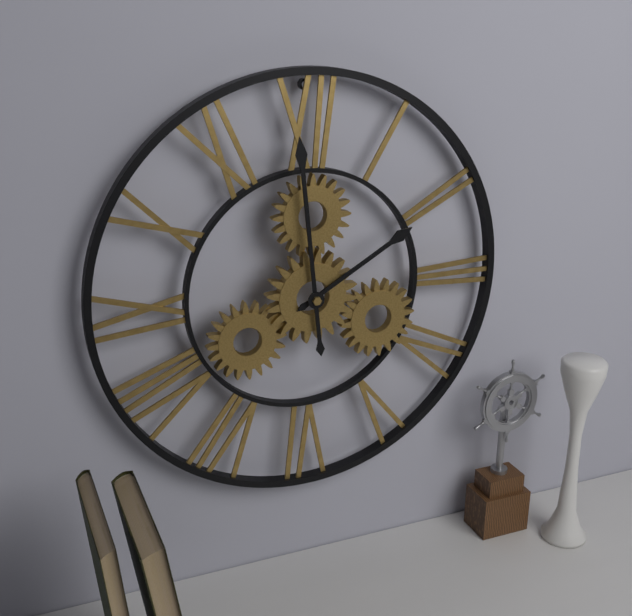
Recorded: h=1 m=59
